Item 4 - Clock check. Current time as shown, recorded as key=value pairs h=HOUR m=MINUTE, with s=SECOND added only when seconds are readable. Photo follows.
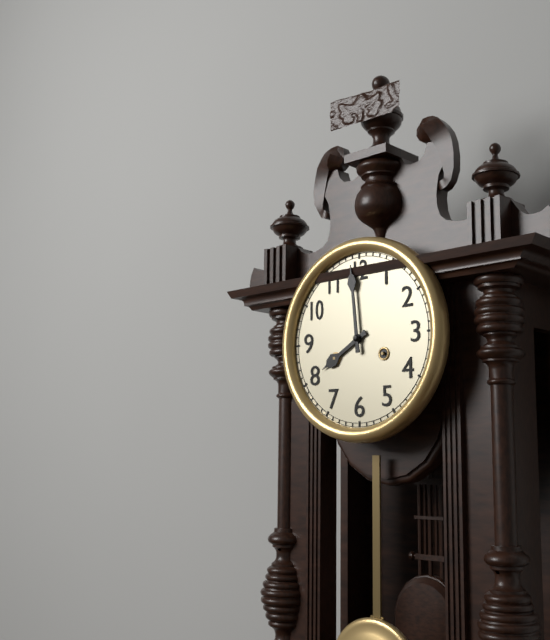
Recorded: h=7 m=59
